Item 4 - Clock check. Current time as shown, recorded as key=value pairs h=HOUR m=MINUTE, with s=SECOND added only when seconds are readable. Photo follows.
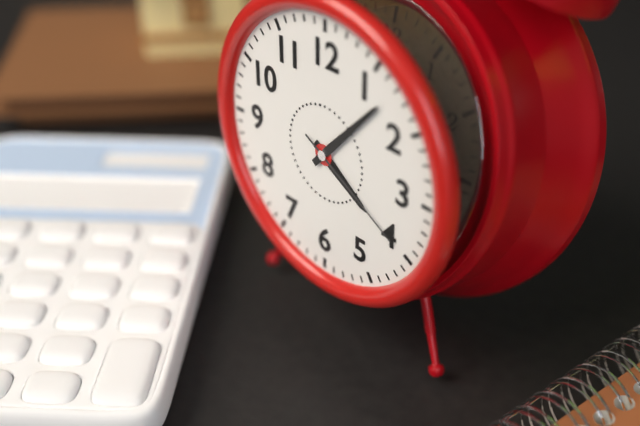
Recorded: h=4 m=7 s=20
